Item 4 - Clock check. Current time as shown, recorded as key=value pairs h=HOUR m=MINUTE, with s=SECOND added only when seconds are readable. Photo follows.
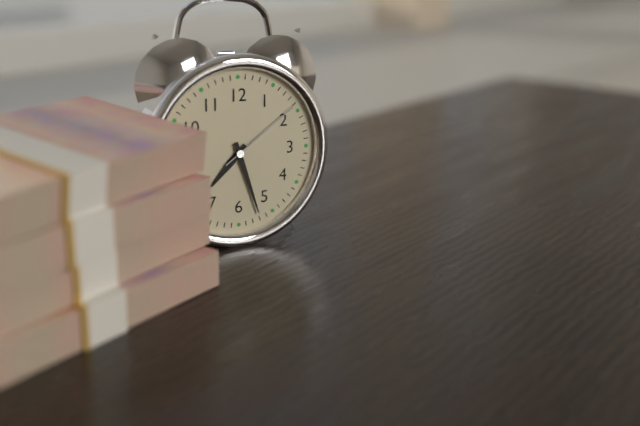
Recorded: h=7 m=27 s=9
